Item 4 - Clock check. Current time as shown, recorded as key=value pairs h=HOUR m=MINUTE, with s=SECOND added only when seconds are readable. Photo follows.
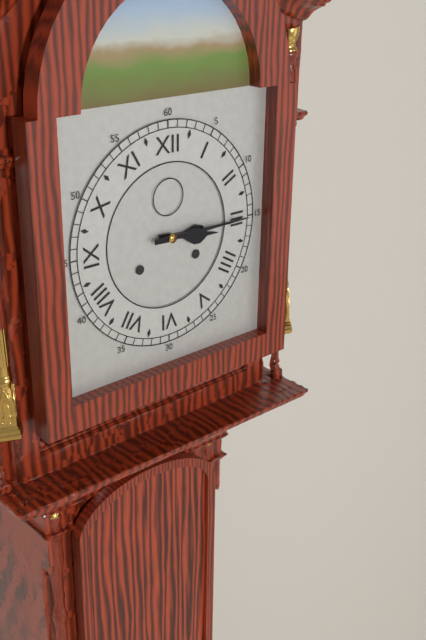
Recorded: h=3 m=15
